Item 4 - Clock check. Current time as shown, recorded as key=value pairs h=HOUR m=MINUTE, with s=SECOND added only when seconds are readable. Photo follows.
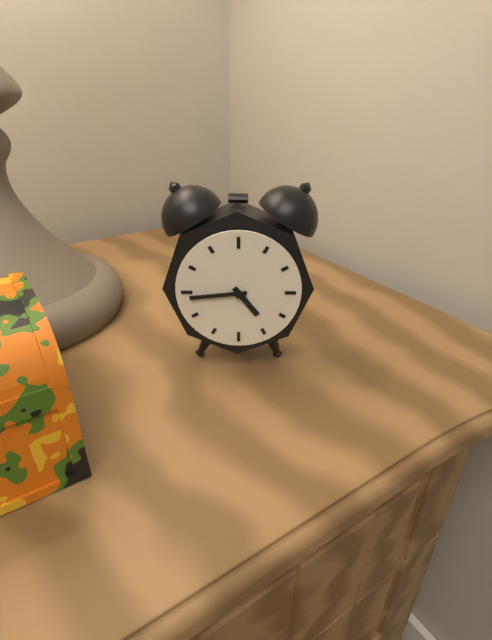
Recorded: h=4 m=44
